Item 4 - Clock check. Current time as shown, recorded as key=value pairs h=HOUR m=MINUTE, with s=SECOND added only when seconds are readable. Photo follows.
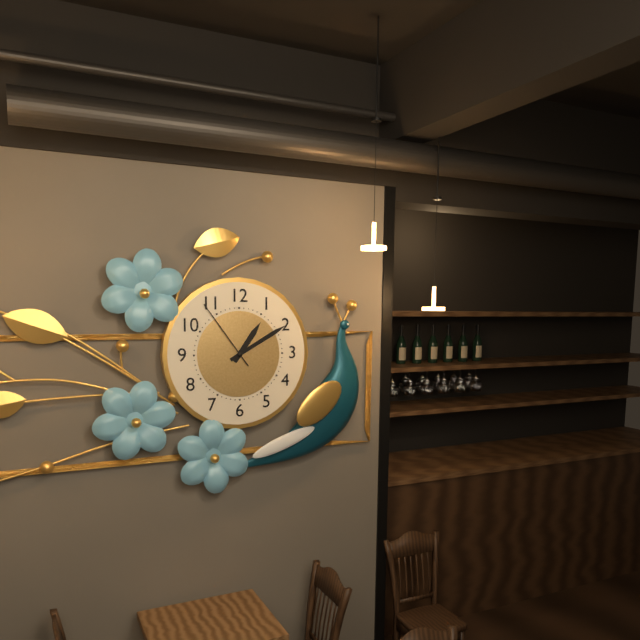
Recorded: h=1 m=10 s=54
